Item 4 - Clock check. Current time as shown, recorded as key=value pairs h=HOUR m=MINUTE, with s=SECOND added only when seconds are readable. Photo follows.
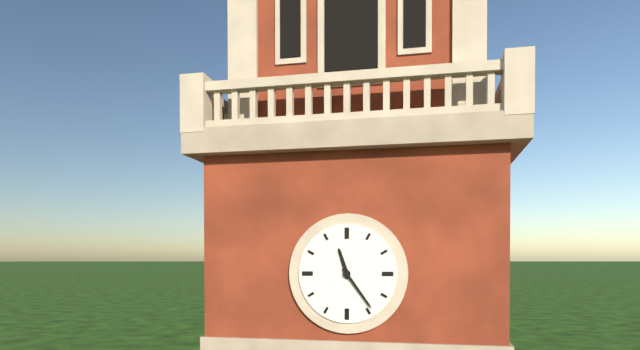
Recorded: h=11 m=24
